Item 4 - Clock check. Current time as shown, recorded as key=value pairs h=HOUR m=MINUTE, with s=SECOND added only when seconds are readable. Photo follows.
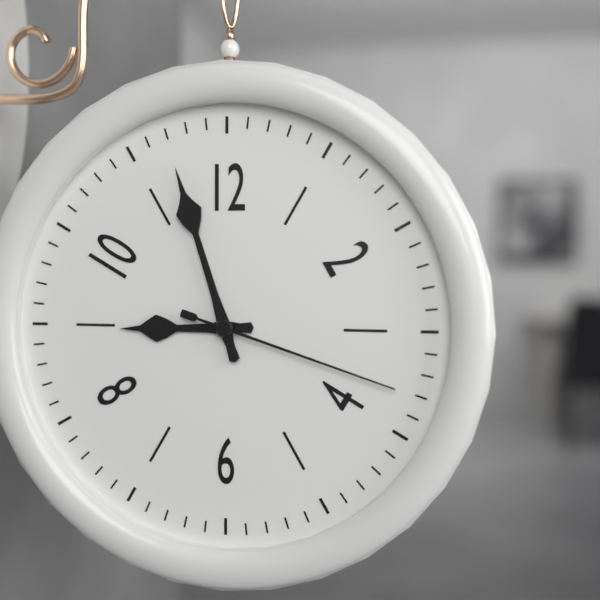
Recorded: h=8 m=57 s=18
